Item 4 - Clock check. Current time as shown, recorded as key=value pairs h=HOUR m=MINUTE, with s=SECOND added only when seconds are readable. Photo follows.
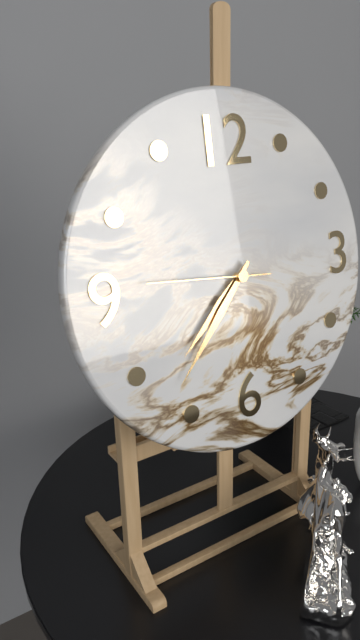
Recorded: h=7 m=37 s=46
